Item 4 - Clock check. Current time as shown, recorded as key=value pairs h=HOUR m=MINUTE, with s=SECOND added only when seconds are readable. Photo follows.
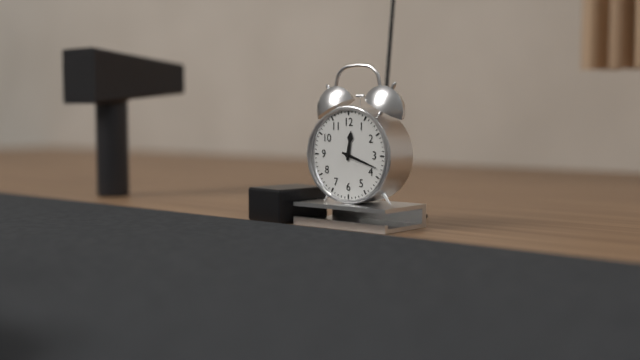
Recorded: h=12 m=18
